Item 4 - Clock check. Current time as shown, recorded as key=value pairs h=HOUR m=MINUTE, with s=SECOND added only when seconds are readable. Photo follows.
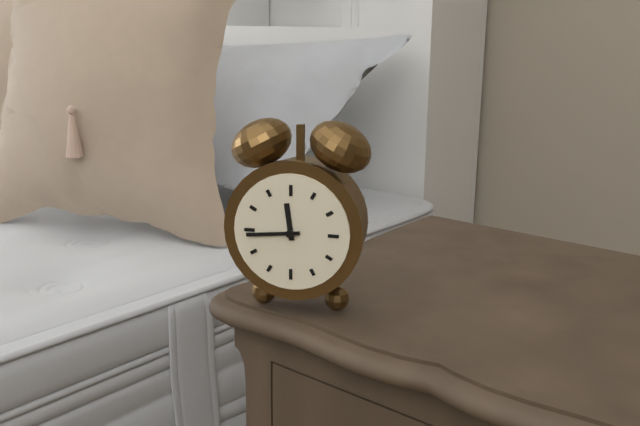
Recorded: h=11 m=44
